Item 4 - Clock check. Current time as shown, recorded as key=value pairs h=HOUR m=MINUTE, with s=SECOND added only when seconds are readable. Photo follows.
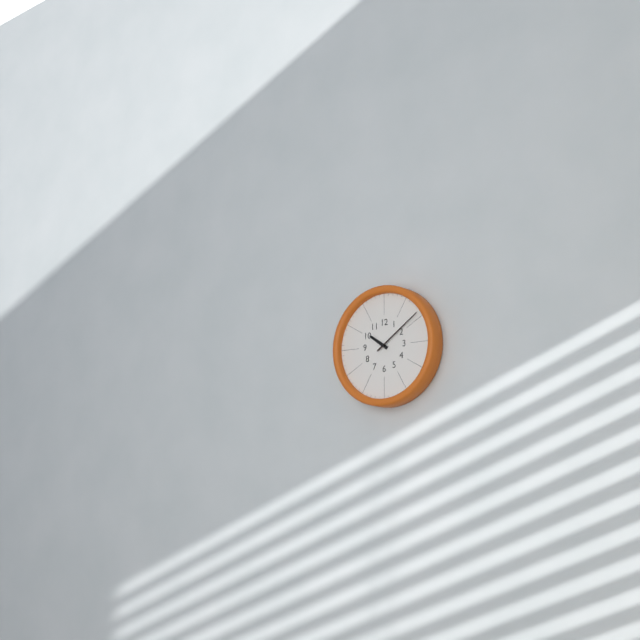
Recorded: h=10 m=9
